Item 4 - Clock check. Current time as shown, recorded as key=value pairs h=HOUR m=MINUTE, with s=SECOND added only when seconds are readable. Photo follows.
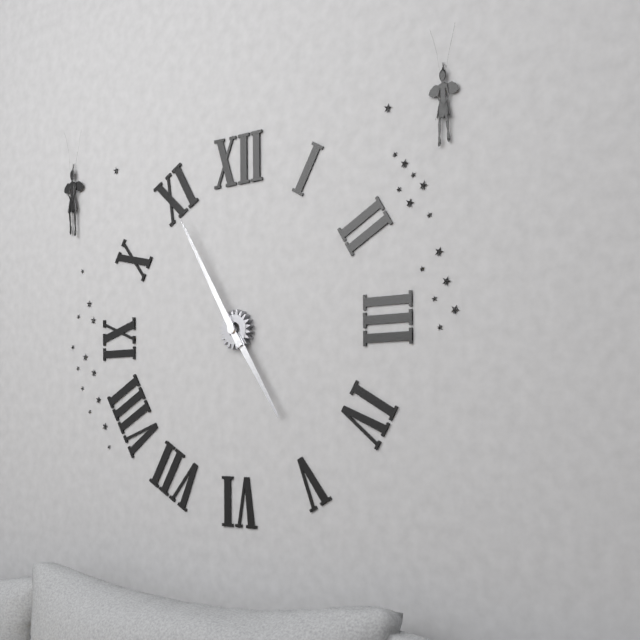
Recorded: h=4 m=55
